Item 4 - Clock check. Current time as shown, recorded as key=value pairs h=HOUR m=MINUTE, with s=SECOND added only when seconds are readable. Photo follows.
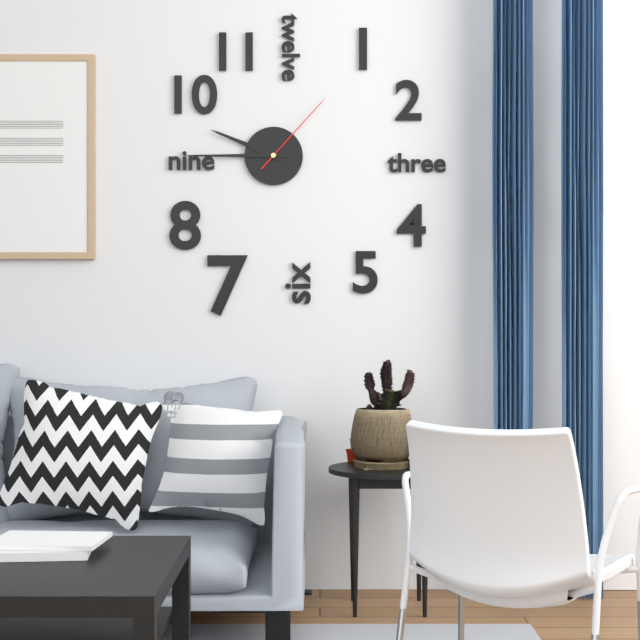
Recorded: h=9 m=45 s=7
